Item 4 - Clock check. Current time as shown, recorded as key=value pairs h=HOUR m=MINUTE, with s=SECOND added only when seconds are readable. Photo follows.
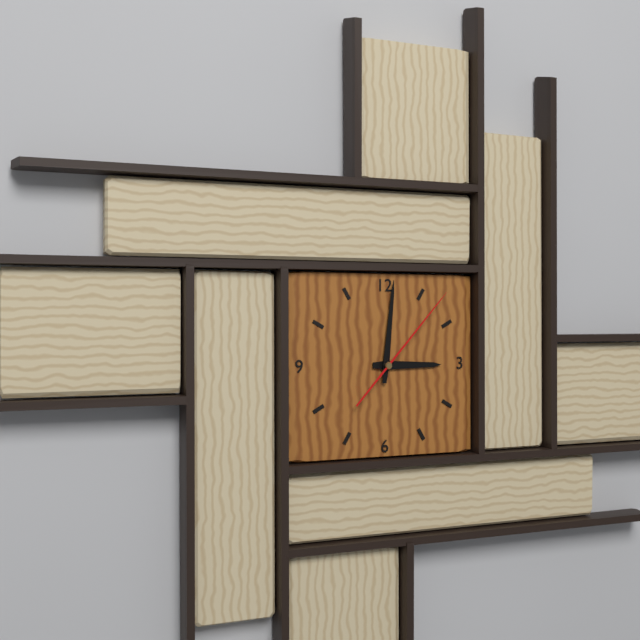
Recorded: h=3 m=1 s=7
